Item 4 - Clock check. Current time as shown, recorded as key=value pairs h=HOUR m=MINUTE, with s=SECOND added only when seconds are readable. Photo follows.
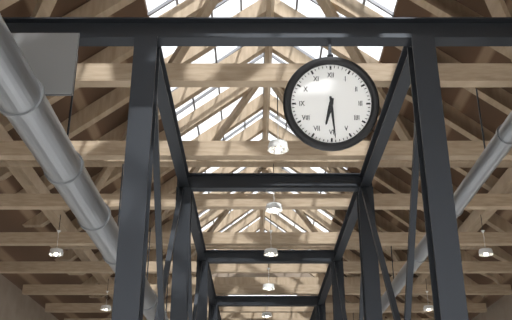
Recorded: h=6 m=29
